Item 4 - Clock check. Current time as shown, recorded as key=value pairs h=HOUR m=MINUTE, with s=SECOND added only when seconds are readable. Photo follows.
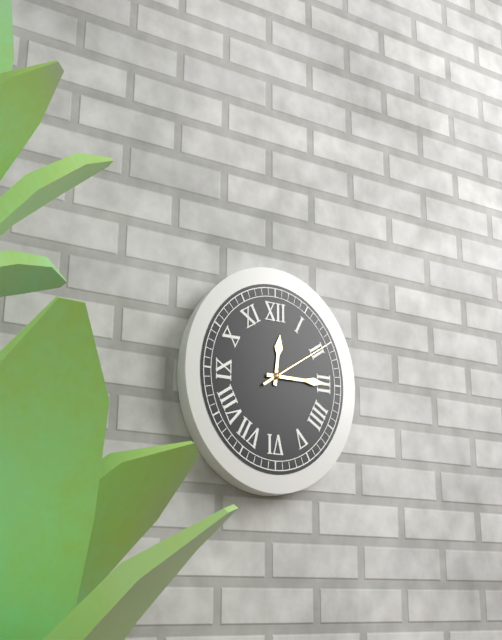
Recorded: h=12 m=15 s=10
